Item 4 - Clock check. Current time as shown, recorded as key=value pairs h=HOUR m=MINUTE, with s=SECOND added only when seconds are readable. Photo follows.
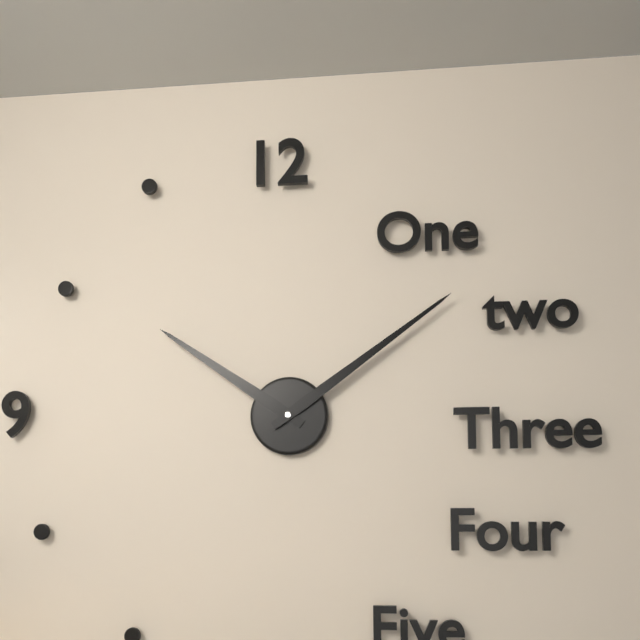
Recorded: h=10 m=9
